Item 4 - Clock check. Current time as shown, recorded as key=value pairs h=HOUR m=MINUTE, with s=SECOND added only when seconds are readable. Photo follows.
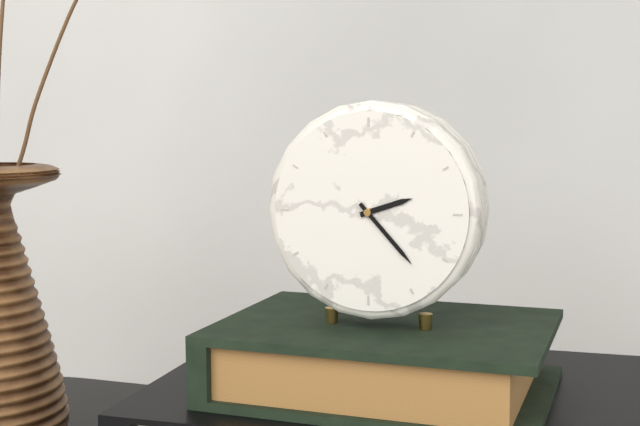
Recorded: h=2 m=23
